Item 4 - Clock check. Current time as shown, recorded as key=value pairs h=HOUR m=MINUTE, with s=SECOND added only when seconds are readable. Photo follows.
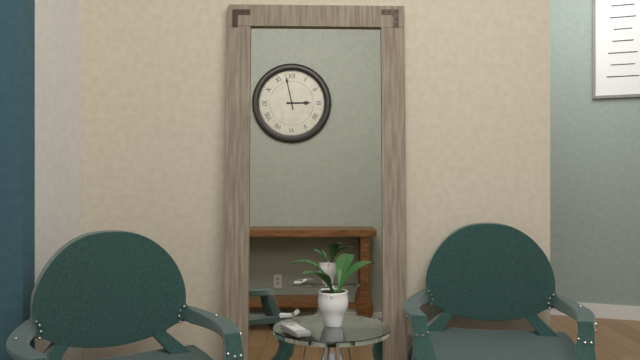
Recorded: h=2 m=58
